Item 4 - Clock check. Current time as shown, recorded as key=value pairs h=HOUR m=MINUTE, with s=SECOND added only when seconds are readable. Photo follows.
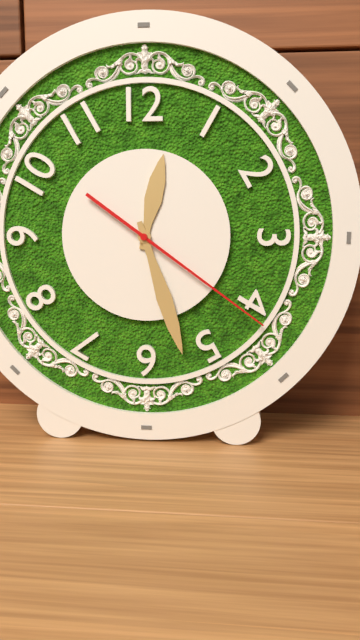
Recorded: h=12 m=27 s=21
